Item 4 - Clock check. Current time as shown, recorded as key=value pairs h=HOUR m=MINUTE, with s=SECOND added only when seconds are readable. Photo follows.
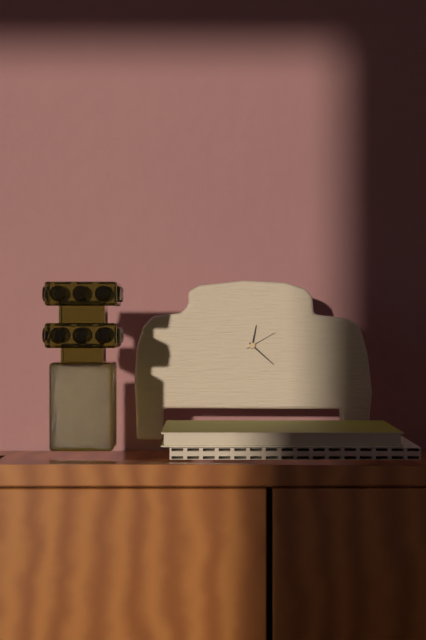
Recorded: h=12 m=22
